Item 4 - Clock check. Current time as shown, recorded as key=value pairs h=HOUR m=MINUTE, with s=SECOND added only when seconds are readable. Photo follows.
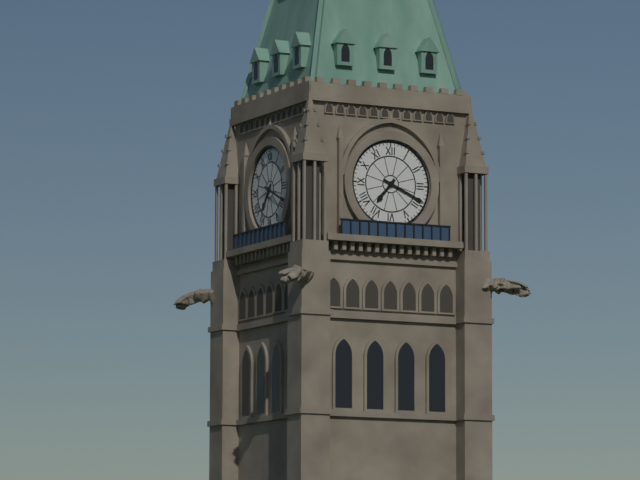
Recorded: h=7 m=19
